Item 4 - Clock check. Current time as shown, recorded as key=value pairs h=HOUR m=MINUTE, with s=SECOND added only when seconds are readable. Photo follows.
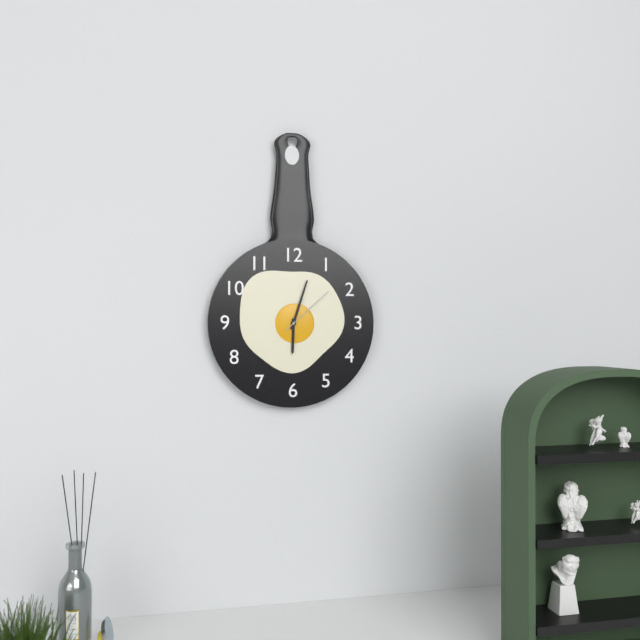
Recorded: h=6 m=3 s=8
